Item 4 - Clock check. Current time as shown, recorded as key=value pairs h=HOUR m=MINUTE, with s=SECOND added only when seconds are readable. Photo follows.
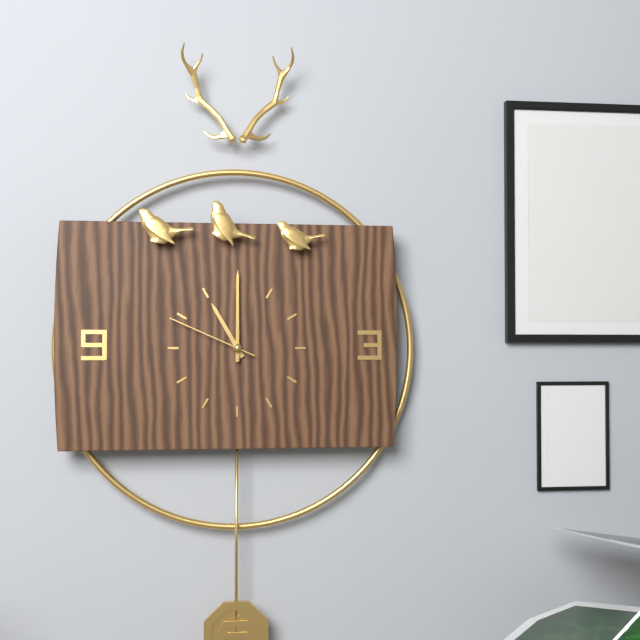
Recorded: h=11 m=0 s=49
